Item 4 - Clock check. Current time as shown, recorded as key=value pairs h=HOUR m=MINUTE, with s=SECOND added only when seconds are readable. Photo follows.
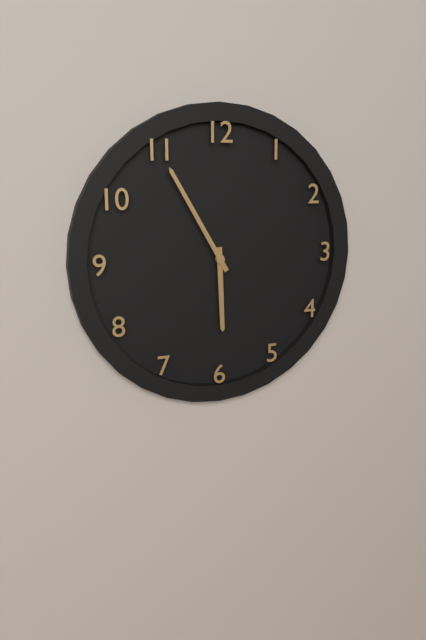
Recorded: h=5 m=55
